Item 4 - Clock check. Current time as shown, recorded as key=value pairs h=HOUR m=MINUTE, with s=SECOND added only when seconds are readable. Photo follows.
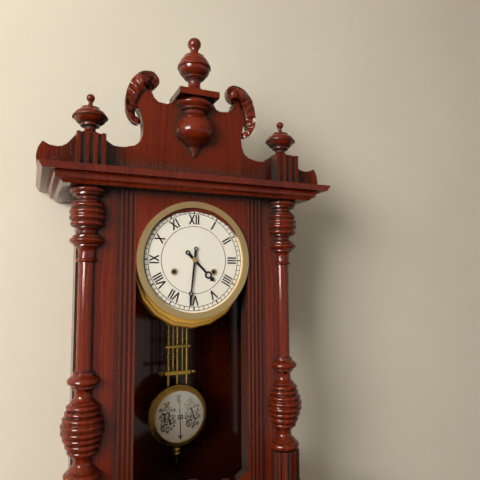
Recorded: h=4 m=31
